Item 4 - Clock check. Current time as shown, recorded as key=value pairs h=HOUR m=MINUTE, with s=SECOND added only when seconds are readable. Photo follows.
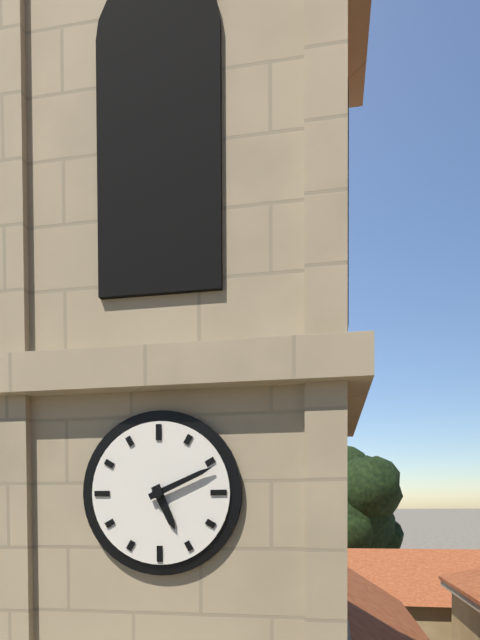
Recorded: h=5 m=11
